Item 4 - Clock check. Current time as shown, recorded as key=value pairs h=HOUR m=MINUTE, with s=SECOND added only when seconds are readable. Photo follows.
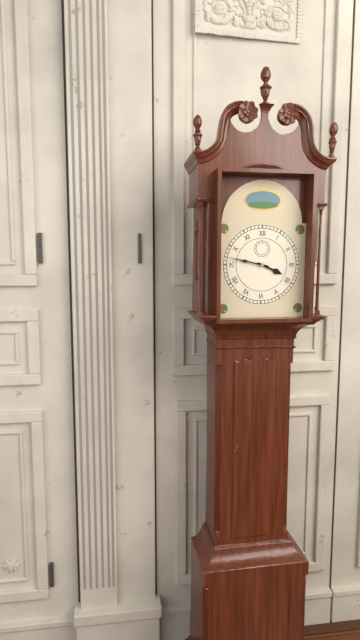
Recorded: h=3 m=47
